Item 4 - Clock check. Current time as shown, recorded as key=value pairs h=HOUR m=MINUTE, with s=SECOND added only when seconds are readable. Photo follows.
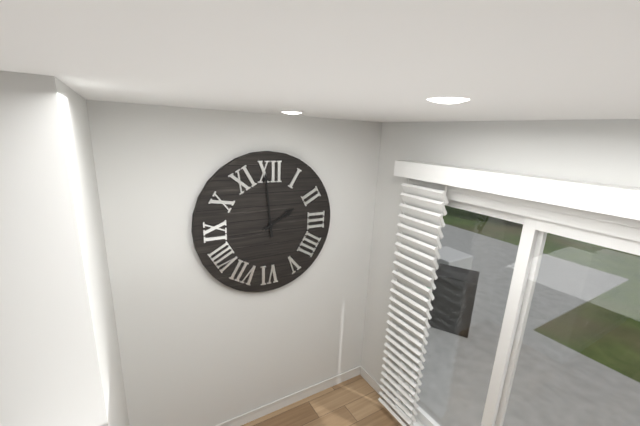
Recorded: h=1 m=59
